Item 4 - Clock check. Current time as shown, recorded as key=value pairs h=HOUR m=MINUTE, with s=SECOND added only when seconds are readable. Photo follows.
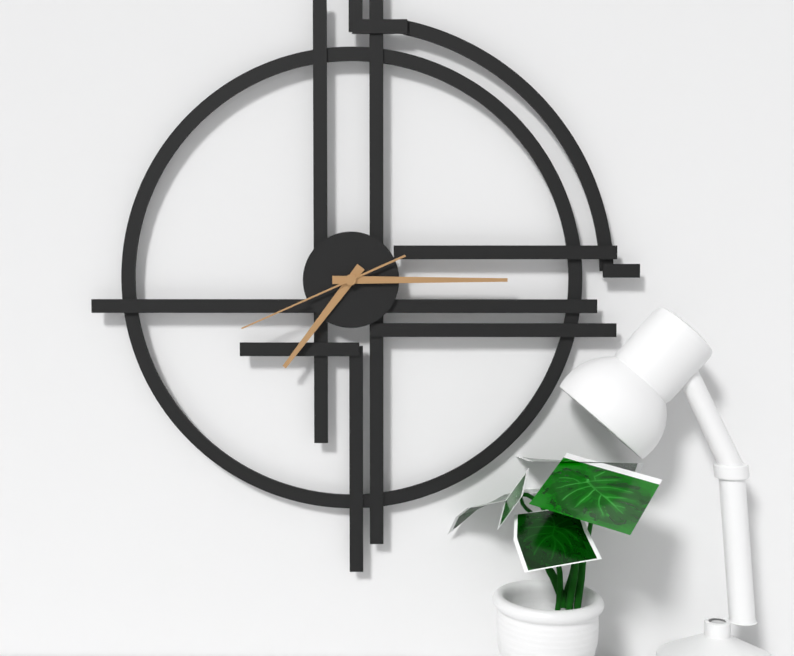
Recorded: h=7 m=15 s=41
